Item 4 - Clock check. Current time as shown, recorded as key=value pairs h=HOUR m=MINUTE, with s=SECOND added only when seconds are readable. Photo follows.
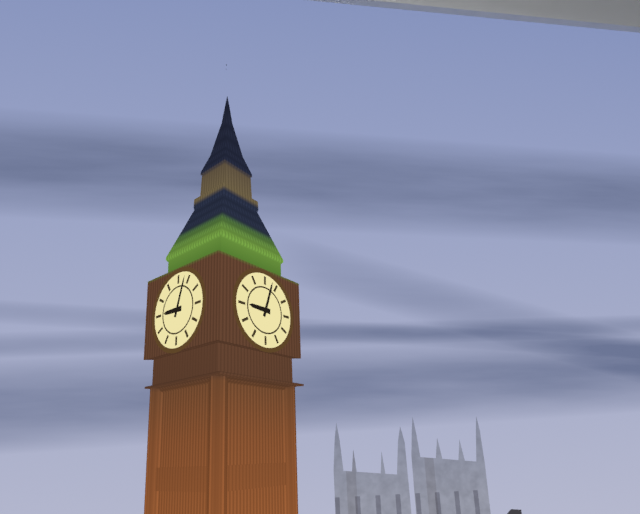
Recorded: h=9 m=3
